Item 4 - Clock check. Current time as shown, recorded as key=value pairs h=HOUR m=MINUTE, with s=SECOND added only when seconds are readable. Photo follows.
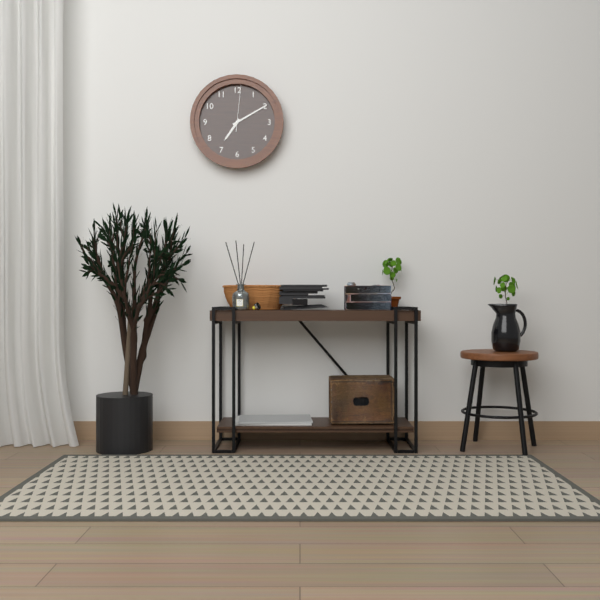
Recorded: h=7 m=10
